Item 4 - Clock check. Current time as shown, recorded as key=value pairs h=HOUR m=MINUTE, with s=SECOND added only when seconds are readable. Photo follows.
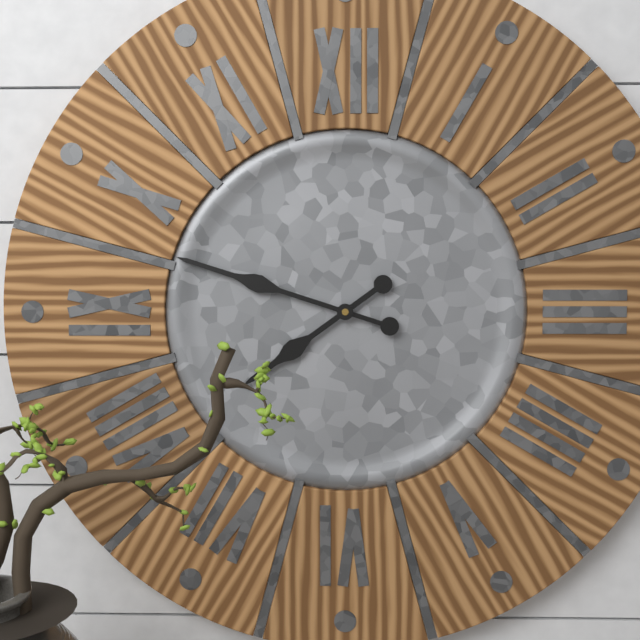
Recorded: h=7 m=48
